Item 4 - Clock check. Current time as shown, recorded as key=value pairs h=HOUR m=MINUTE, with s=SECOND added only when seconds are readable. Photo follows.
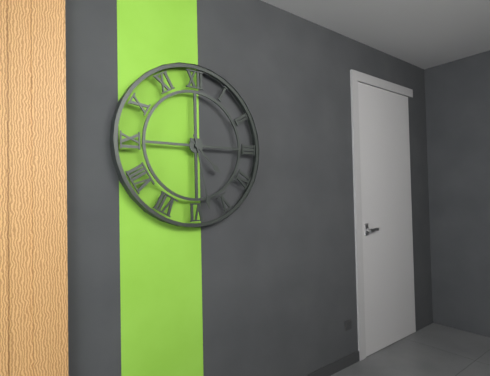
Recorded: h=4 m=28
